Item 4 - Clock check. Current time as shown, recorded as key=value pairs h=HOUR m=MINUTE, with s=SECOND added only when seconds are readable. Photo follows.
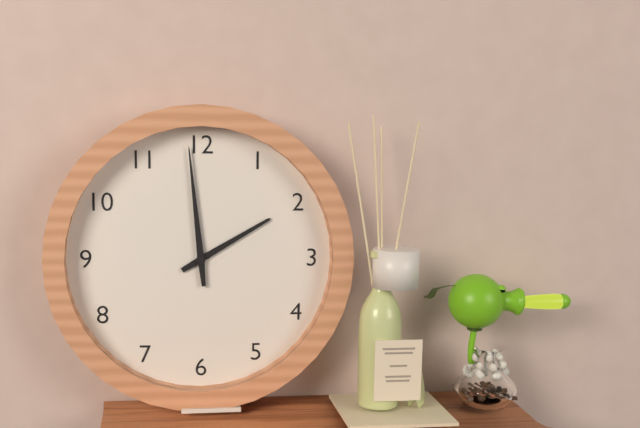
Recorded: h=1 m=59
